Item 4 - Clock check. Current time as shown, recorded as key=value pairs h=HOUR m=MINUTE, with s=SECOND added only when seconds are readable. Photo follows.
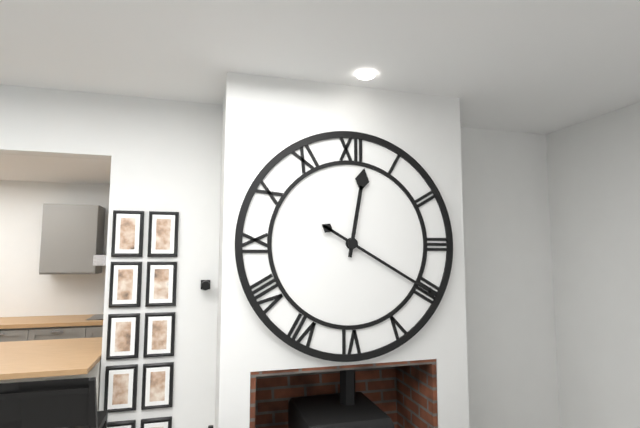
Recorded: h=12 m=20
